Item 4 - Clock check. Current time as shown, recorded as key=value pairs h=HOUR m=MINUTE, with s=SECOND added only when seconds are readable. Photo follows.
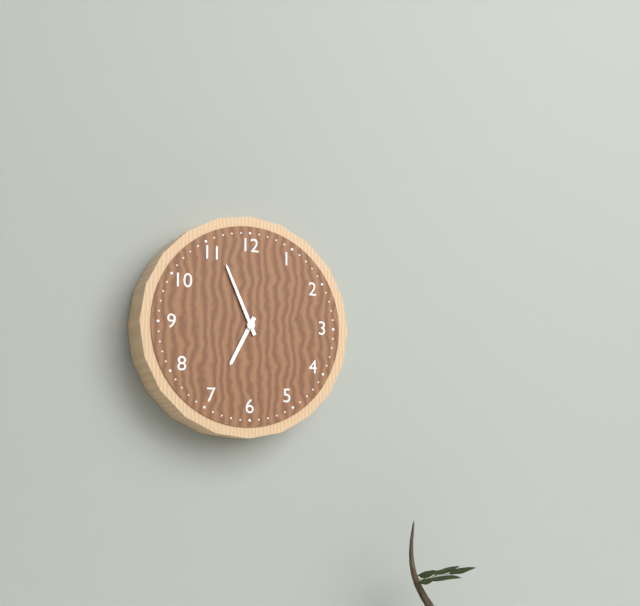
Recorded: h=6 m=56
